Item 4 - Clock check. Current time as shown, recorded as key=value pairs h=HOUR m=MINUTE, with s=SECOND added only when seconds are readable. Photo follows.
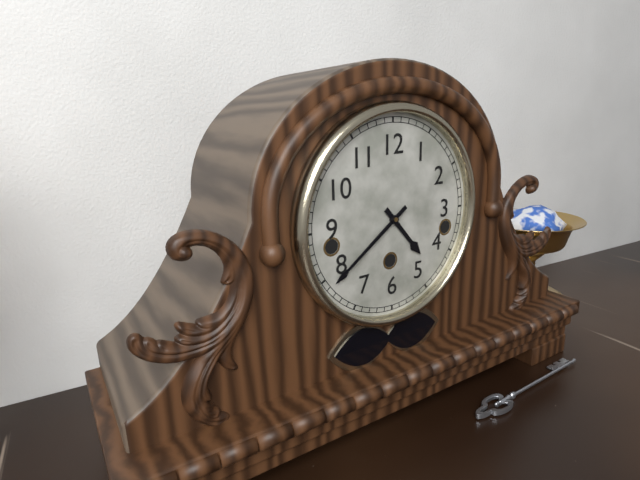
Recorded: h=4 m=39
